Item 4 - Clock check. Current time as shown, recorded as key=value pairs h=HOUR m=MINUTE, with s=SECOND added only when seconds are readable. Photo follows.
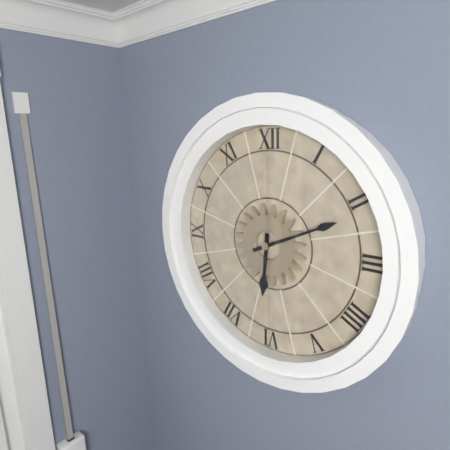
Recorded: h=6 m=11
